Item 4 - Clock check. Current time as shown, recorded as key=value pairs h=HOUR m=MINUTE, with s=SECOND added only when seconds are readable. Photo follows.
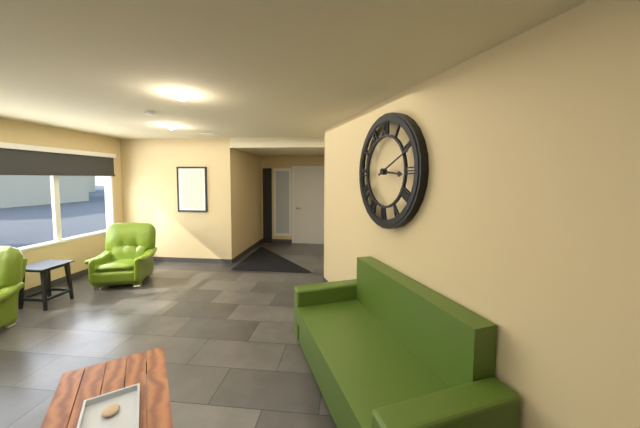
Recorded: h=3 m=11
